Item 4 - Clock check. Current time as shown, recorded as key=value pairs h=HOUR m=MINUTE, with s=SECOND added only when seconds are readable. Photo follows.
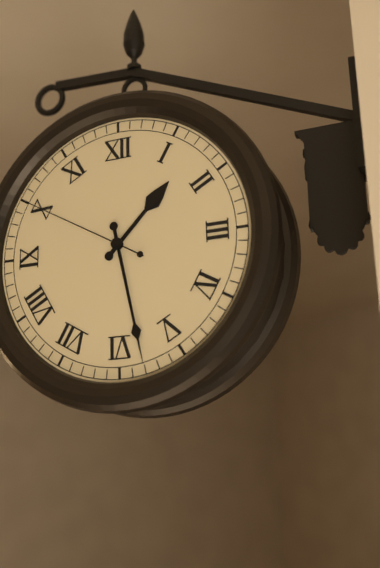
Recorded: h=1 m=28 s=50
